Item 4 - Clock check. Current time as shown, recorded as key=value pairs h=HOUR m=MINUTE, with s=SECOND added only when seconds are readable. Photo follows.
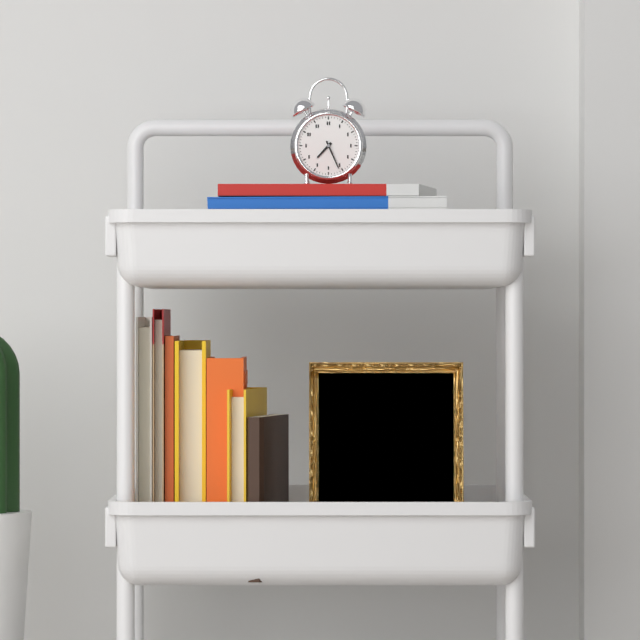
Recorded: h=7 m=26
